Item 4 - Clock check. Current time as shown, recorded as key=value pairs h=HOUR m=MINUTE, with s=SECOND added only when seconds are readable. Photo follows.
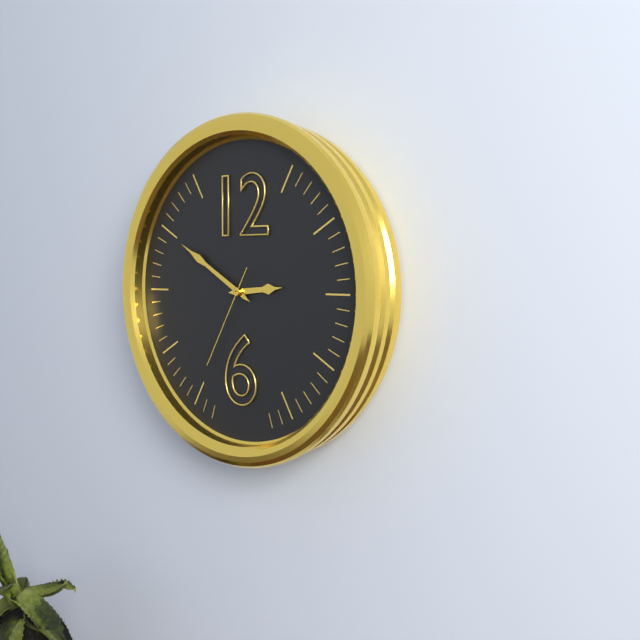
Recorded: h=2 m=50 s=35
